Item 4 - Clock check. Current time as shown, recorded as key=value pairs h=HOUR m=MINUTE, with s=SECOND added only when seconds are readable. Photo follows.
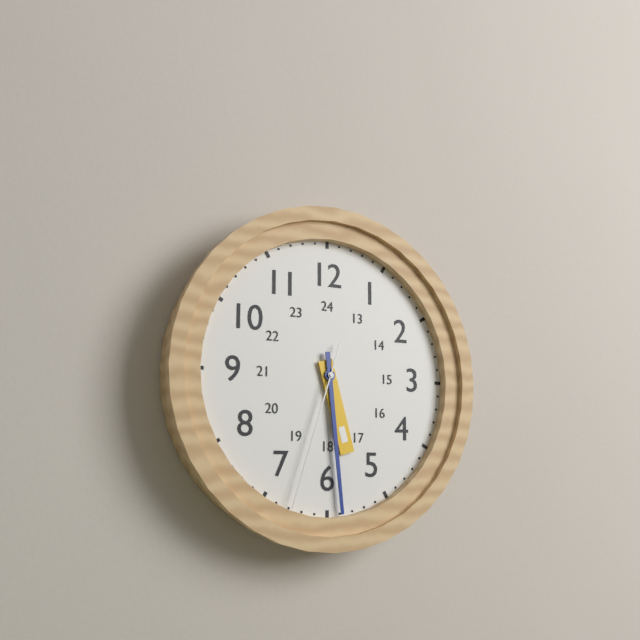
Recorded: h=5 m=29 s=33
